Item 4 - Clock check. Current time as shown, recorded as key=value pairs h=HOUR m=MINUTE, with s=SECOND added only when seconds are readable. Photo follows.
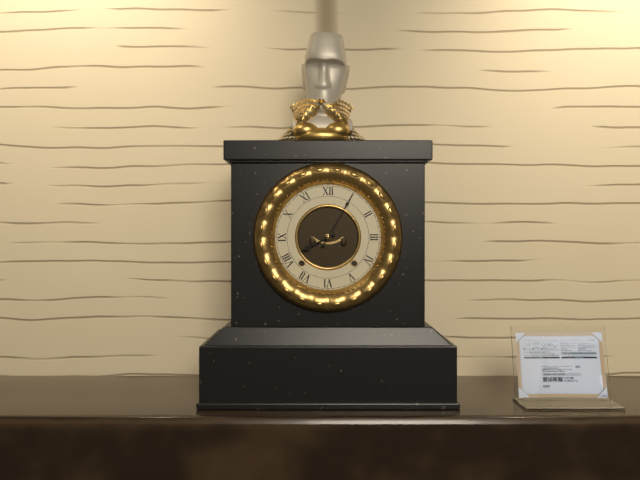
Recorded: h=8 m=5
